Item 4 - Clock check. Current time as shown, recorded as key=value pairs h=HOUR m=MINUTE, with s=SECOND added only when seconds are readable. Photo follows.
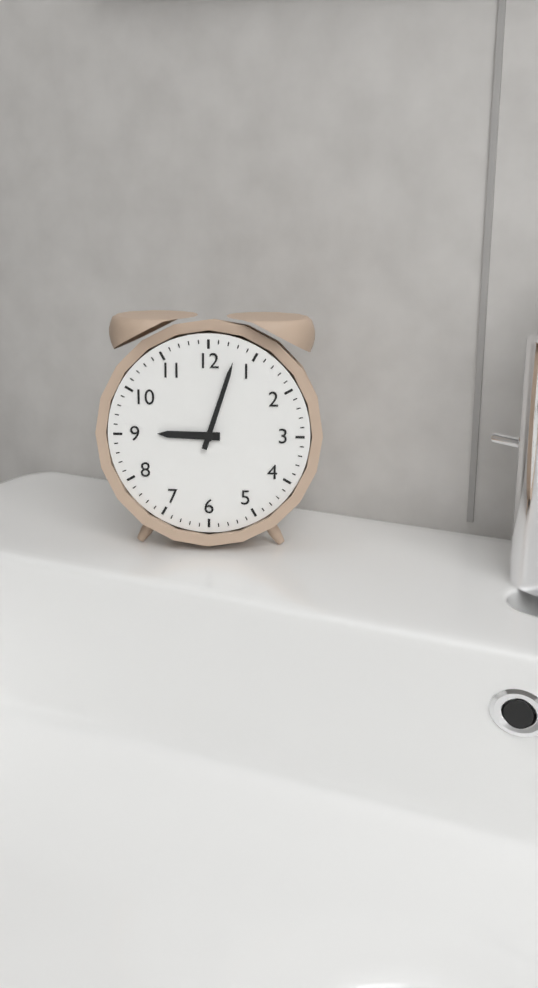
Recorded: h=9 m=3
